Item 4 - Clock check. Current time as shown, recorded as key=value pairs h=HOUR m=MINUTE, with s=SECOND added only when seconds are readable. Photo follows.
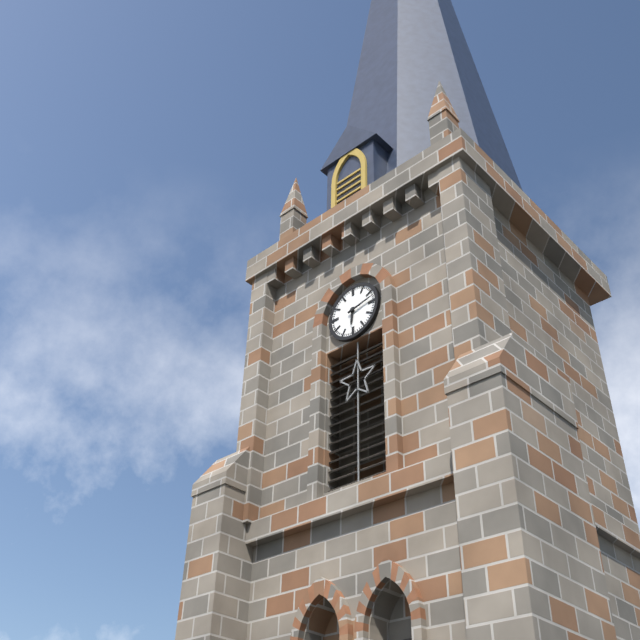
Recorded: h=6 m=13
